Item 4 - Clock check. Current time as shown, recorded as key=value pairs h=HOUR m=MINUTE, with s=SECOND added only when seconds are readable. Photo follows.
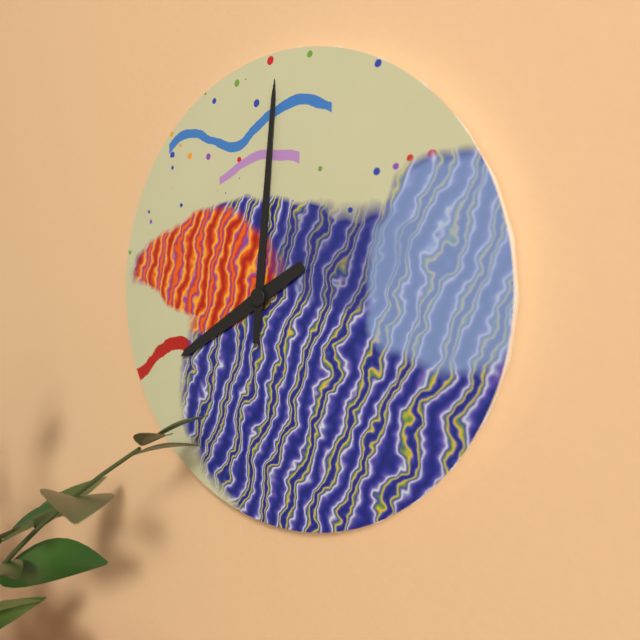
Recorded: h=8 m=1
